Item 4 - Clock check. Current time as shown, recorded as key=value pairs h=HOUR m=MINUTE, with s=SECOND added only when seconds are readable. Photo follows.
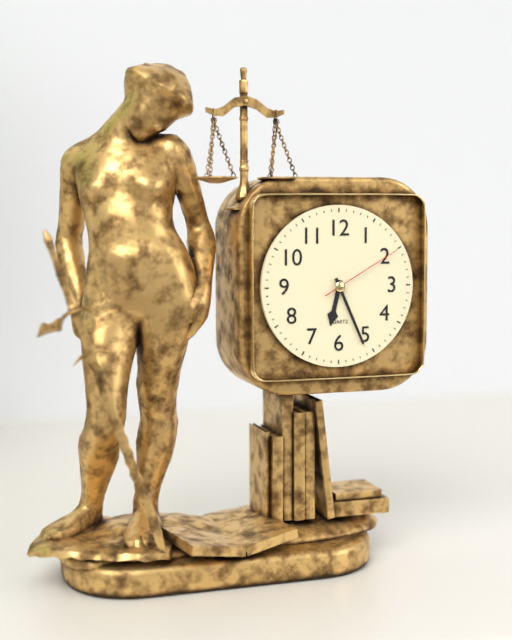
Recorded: h=6 m=26 s=10
